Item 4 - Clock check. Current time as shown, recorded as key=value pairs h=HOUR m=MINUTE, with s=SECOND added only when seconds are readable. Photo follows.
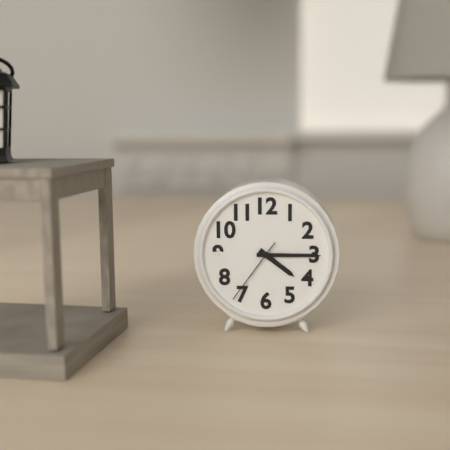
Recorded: h=4 m=15 s=36
